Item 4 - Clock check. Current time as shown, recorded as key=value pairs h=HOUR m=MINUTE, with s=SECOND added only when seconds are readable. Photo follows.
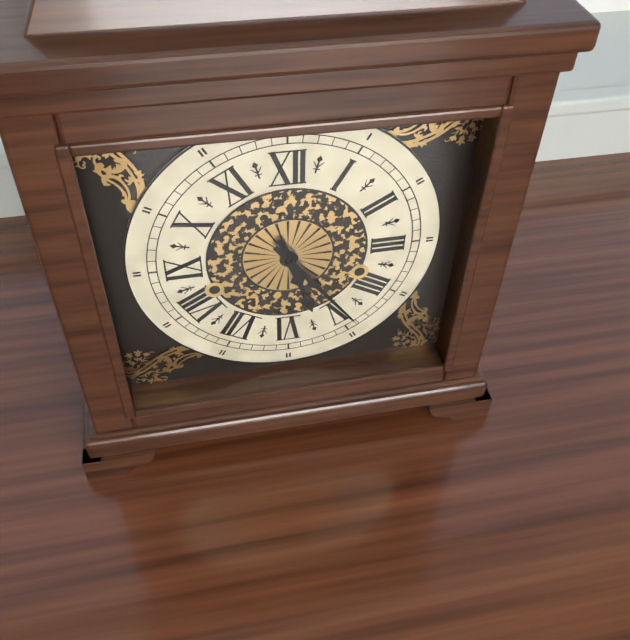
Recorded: h=5 m=24
